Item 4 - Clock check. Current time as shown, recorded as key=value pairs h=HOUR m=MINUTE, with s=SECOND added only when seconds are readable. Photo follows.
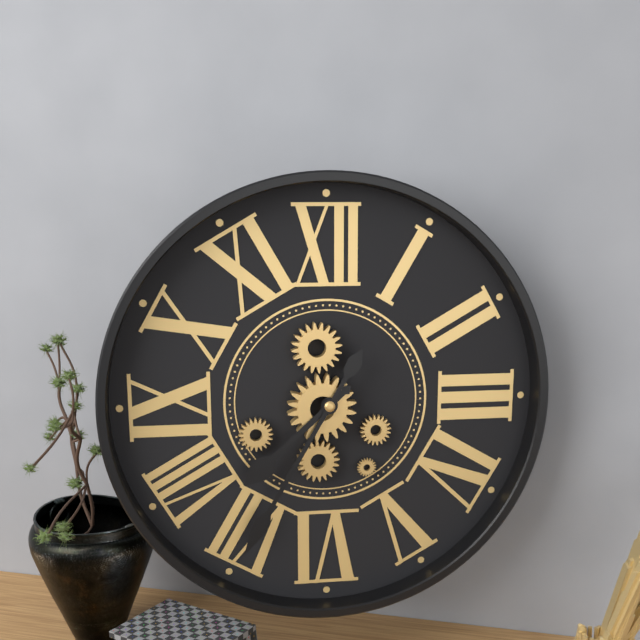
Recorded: h=7 m=35
